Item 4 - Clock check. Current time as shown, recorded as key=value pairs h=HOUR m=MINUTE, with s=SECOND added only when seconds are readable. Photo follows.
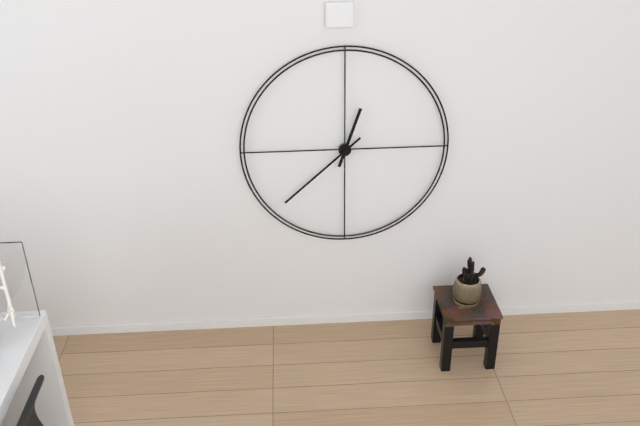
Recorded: h=12 m=38
